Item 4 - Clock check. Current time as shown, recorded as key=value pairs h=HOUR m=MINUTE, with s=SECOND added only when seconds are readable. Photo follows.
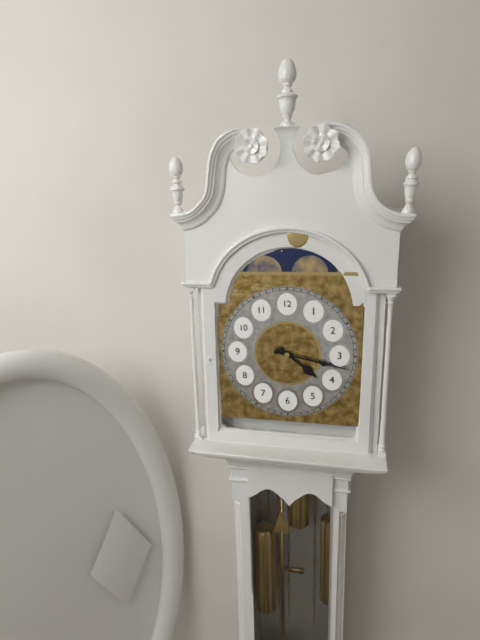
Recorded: h=4 m=17
